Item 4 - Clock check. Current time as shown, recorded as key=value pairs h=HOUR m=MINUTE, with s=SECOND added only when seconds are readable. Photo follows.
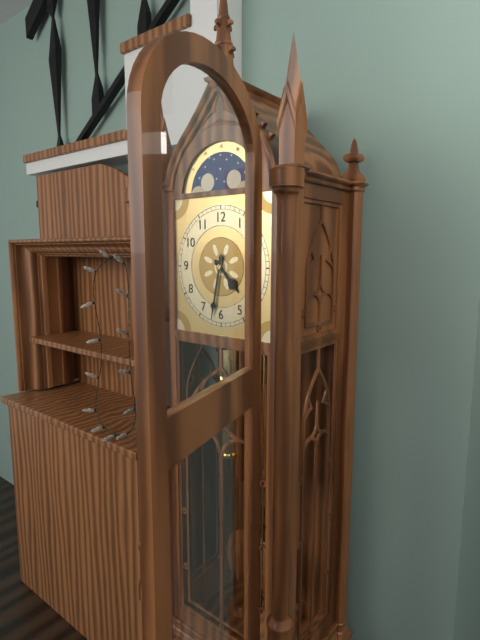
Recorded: h=4 m=32
